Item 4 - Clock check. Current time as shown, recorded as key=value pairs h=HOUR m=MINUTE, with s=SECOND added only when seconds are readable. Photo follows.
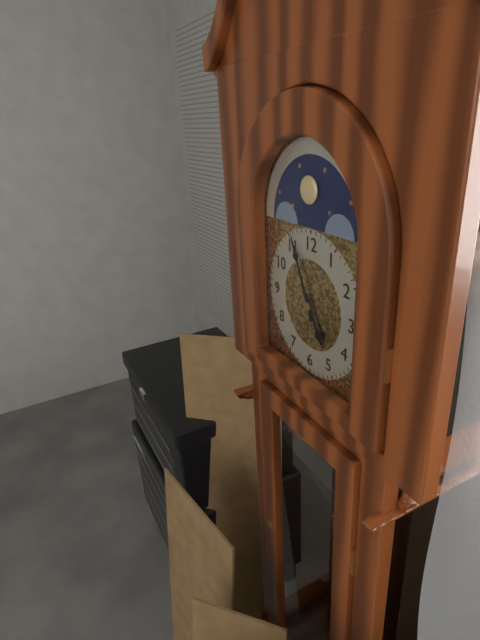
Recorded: h=4 m=56
